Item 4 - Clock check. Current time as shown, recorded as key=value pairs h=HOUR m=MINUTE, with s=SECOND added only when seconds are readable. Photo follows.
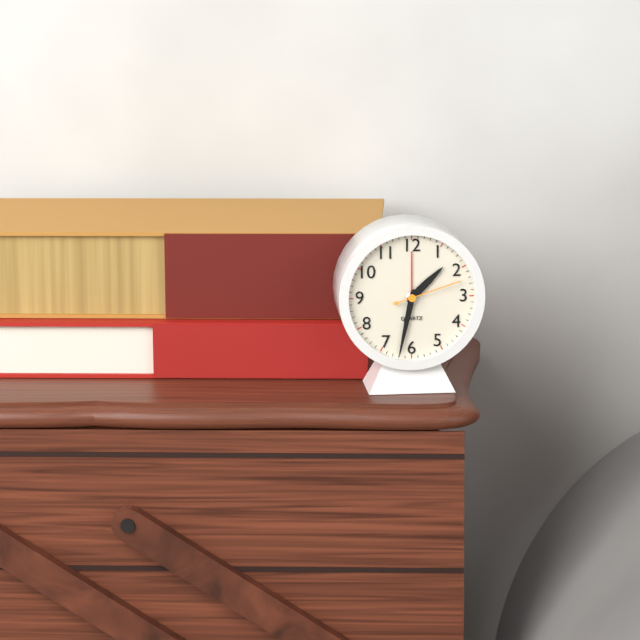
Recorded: h=1 m=32 s=12
